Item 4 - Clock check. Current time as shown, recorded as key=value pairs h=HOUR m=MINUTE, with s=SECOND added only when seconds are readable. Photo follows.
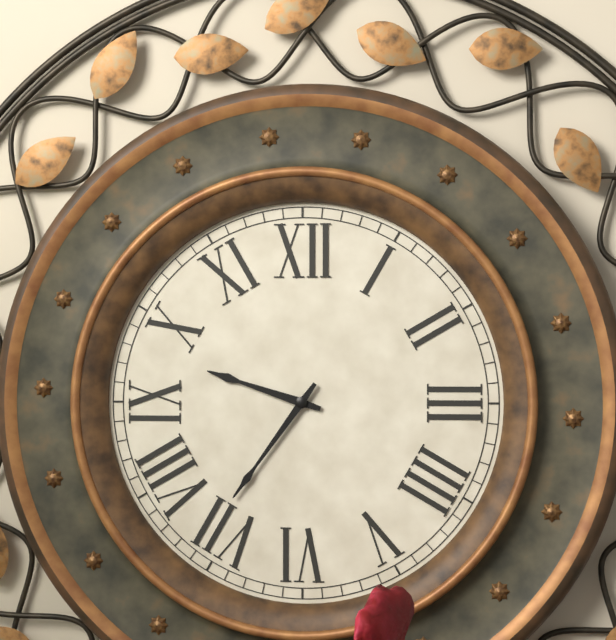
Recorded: h=9 m=36
